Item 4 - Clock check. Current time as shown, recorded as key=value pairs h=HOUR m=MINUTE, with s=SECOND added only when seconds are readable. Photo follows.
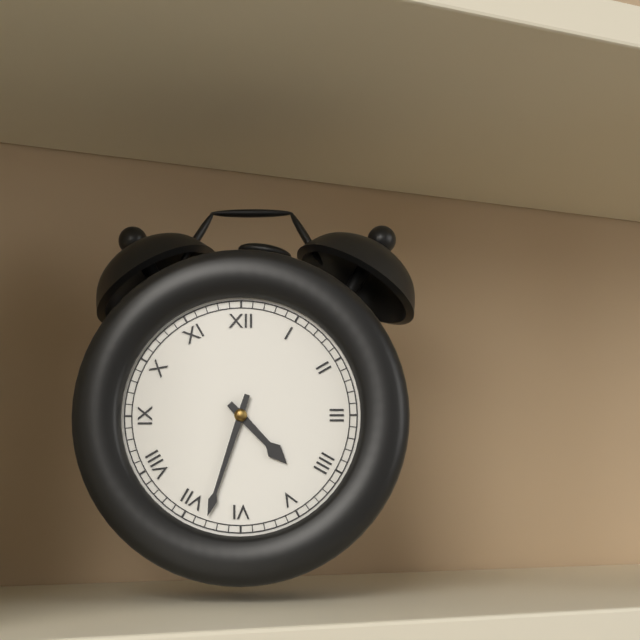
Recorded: h=4 m=33
